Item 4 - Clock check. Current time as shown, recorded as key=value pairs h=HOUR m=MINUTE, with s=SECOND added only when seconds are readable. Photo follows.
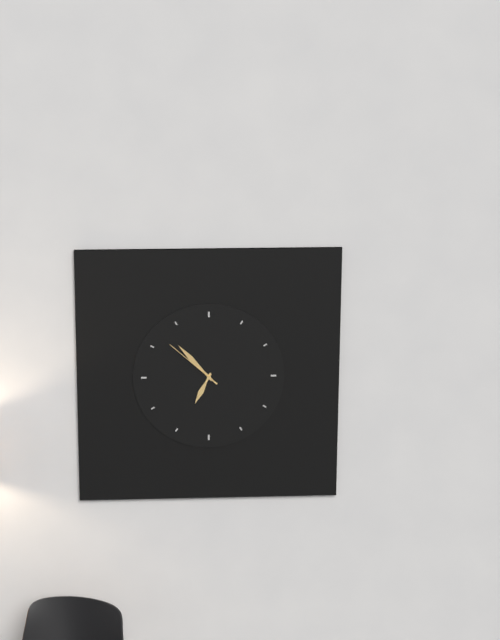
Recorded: h=6 m=53 s=52
